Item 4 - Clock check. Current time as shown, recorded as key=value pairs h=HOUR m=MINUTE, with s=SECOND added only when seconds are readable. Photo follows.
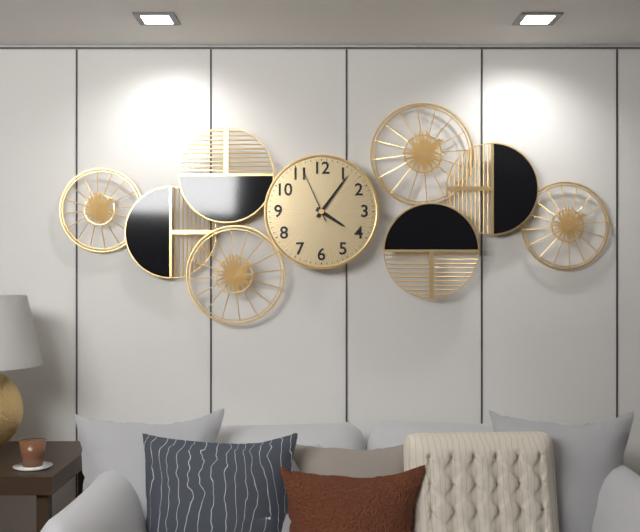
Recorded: h=4 m=6 s=56
